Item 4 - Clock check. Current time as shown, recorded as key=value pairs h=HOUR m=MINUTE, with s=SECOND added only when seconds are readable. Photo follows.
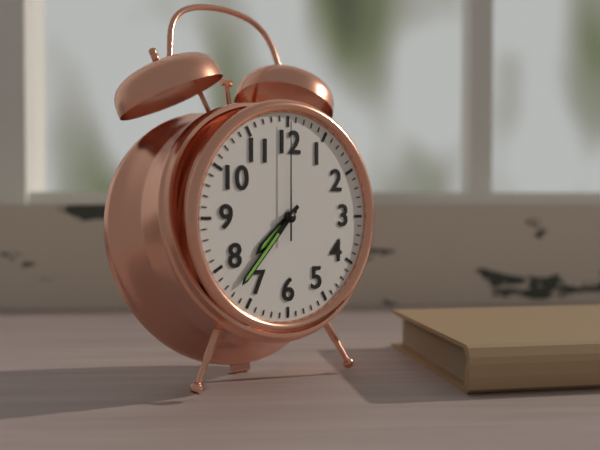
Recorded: h=7 m=37 s=0
